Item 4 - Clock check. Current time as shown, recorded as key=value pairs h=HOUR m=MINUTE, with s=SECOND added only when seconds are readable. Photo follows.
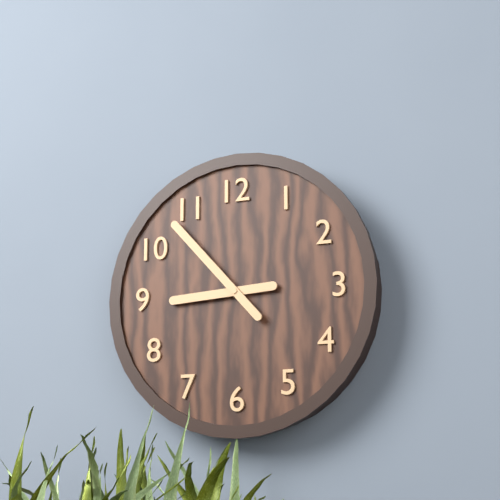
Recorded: h=8 m=53
